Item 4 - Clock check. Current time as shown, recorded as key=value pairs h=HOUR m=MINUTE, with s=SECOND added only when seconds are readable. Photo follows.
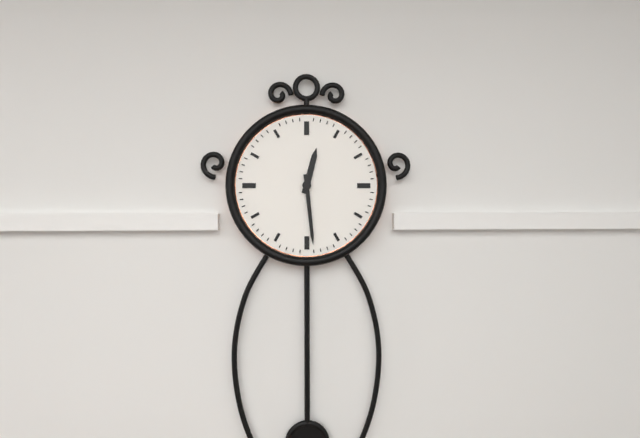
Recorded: h=12 m=29
